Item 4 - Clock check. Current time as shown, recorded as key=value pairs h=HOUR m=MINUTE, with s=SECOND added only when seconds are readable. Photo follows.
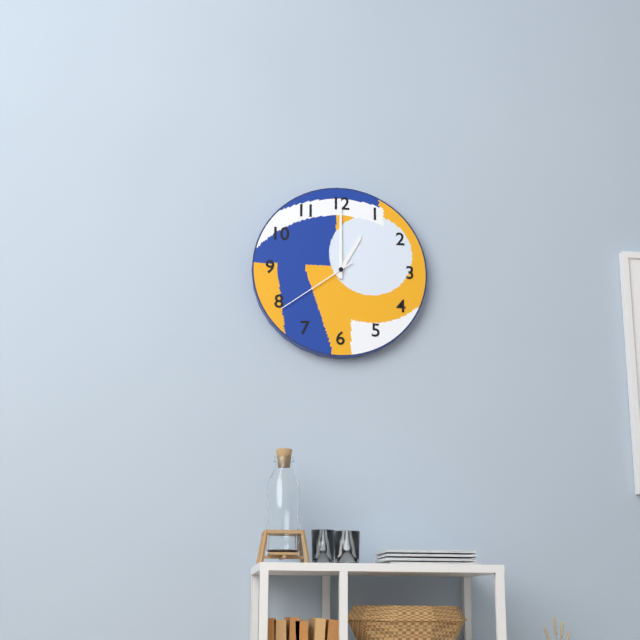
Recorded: h=1 m=0 s=39
